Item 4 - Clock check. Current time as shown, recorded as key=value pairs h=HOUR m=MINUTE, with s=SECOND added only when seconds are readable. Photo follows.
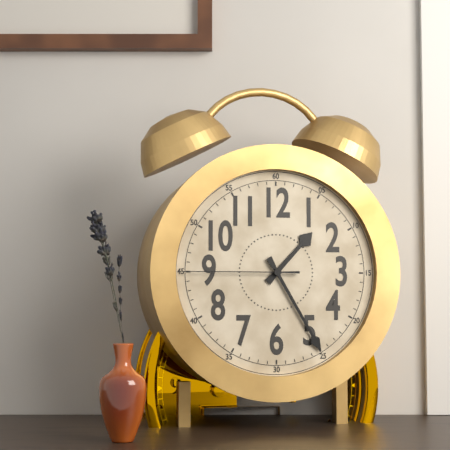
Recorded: h=1 m=25 s=45
